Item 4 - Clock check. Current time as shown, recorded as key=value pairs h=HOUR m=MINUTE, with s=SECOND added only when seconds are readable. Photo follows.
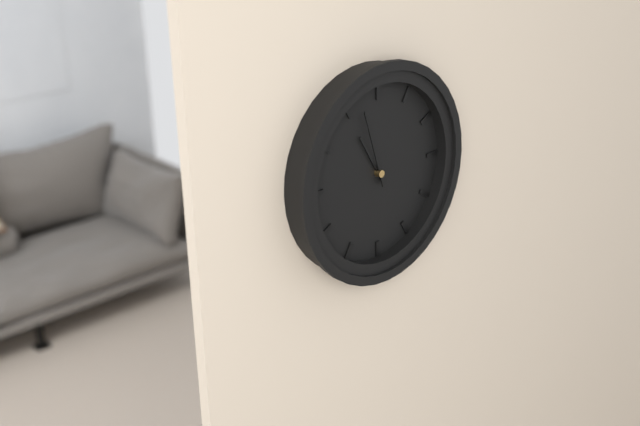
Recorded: h=10 m=57
